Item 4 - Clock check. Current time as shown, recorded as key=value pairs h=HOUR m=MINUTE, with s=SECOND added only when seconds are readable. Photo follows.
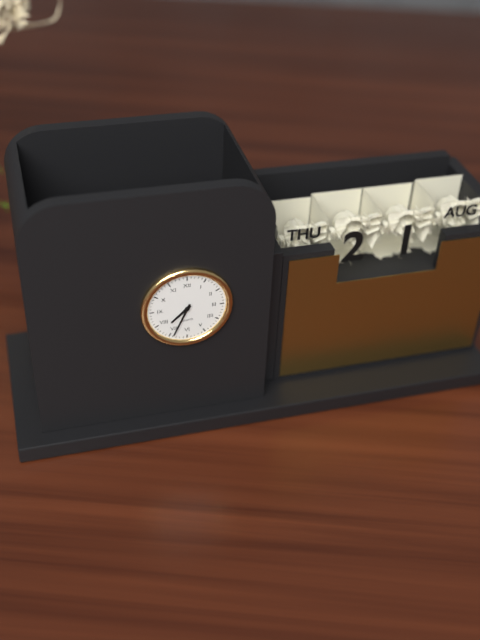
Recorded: h=7 m=34
